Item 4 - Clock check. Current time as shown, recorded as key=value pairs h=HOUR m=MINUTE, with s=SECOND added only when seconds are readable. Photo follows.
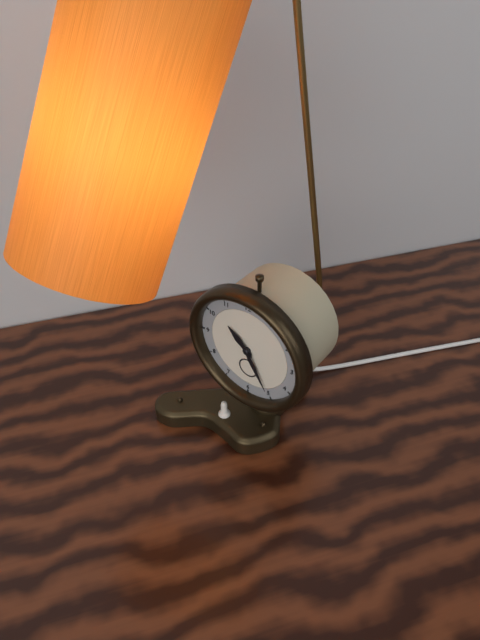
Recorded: h=10 m=25
